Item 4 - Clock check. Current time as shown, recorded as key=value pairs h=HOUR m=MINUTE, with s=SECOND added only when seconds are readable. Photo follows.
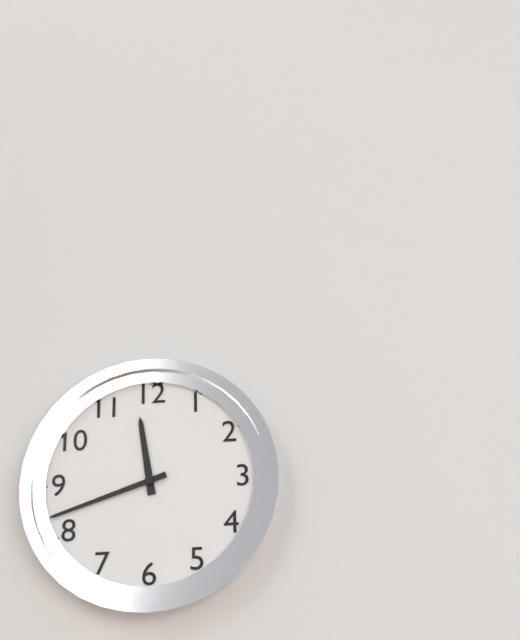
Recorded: h=11 m=42
